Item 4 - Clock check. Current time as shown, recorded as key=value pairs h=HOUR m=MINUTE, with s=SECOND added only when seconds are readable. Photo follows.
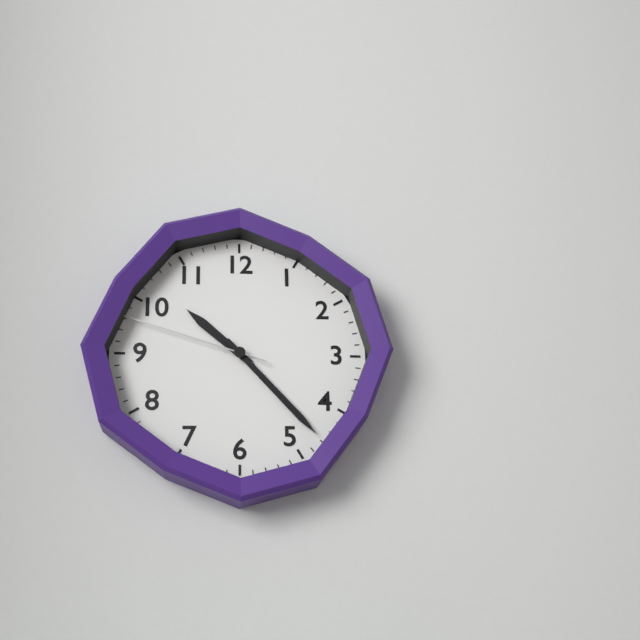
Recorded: h=10 m=23 s=48
